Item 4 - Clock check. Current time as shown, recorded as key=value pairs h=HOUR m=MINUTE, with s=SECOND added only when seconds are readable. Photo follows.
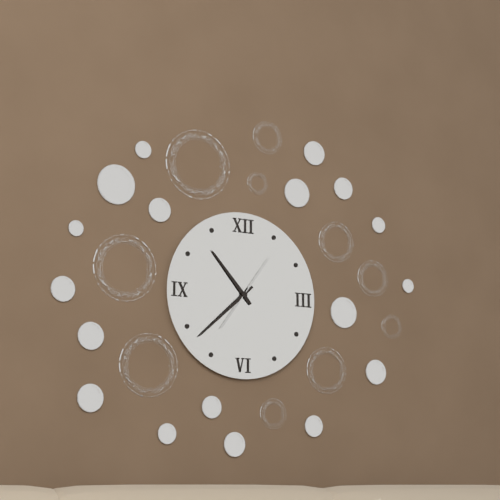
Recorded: h=10 m=38 s=6
